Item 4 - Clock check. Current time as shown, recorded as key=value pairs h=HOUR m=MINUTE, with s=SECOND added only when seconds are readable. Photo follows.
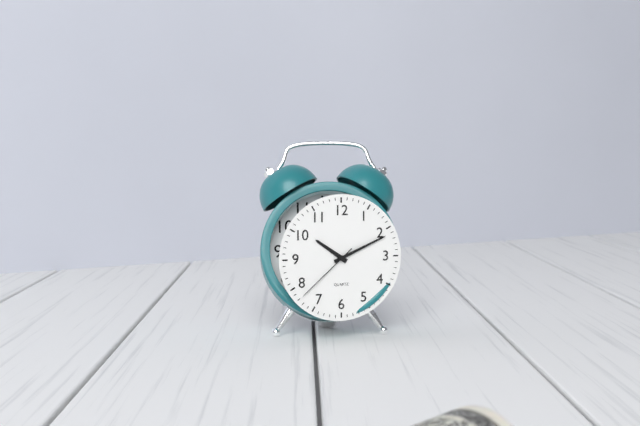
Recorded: h=10 m=11 s=38
